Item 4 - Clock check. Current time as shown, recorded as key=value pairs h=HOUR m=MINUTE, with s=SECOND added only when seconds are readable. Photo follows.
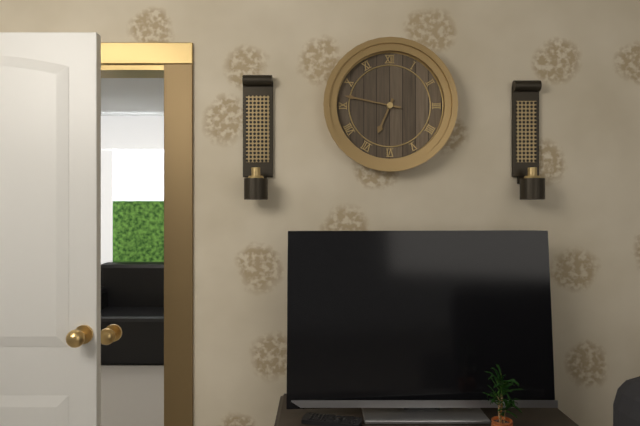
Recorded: h=6 m=47
